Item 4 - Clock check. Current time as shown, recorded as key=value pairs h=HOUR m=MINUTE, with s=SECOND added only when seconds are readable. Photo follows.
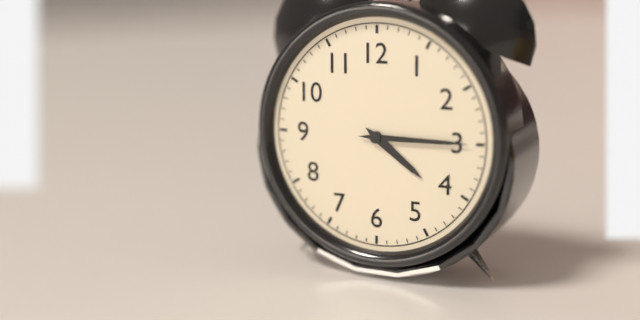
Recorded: h=4 m=15
